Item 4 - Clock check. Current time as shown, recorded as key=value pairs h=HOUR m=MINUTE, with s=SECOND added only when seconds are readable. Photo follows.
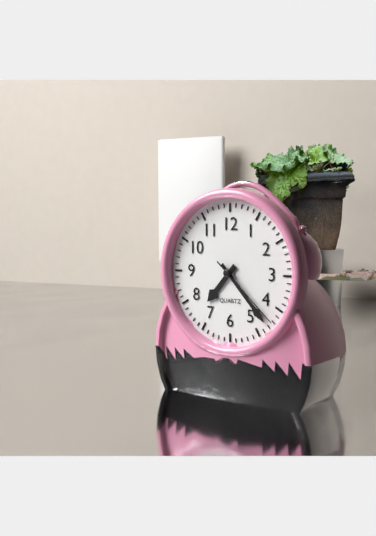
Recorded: h=7 m=23 s=22
